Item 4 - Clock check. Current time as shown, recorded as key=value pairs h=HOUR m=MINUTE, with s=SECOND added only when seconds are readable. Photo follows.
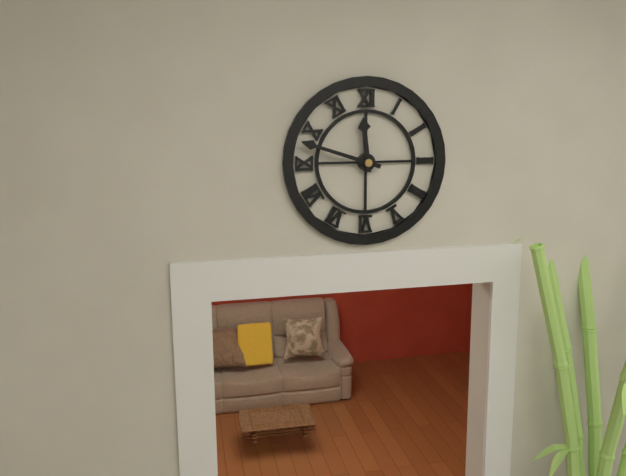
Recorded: h=11 m=48
